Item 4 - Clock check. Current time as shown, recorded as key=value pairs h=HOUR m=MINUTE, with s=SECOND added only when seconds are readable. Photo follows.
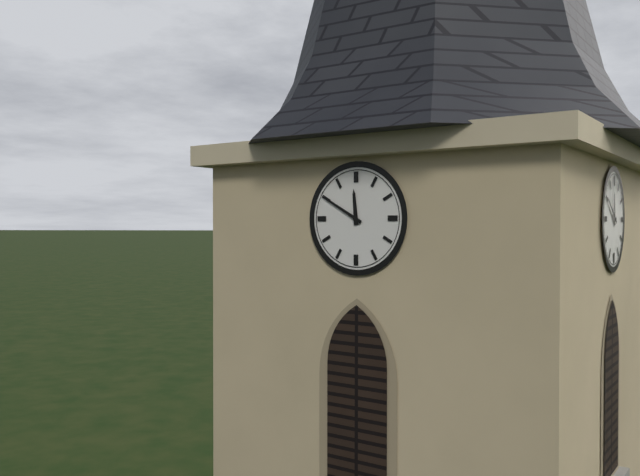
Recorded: h=11 m=50
